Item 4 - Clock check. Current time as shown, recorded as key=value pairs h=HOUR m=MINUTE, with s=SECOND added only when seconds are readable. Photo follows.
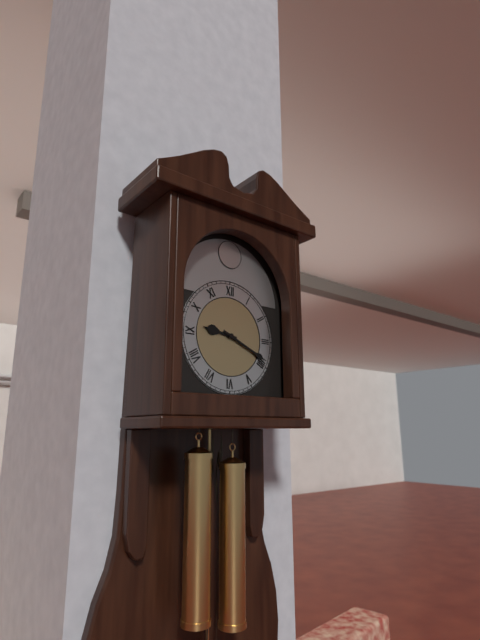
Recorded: h=9 m=19
